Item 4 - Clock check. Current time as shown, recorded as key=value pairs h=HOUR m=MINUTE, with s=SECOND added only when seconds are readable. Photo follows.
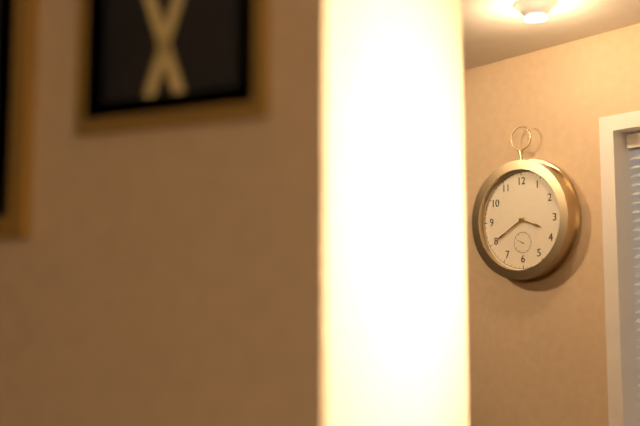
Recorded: h=3 m=40
